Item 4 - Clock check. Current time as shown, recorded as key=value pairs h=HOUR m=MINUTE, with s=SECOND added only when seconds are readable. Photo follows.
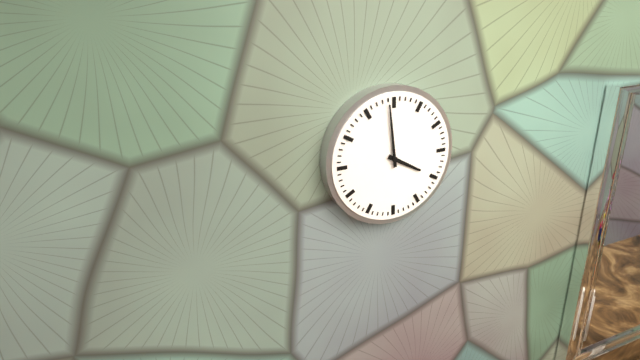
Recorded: h=3 m=59
